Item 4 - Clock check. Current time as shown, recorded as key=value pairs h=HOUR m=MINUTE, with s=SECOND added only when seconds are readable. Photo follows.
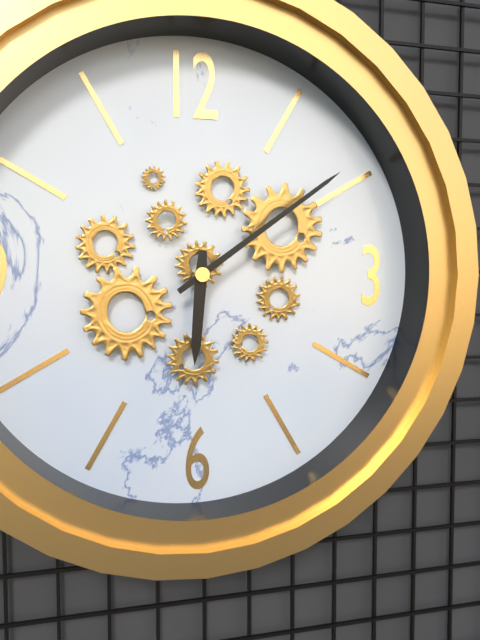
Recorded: h=6 m=9
